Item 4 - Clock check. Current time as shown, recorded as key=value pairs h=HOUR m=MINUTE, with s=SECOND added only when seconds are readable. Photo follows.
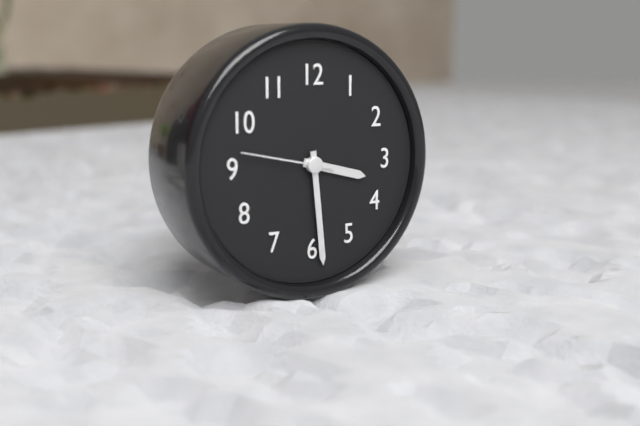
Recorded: h=3 m=29 s=47
